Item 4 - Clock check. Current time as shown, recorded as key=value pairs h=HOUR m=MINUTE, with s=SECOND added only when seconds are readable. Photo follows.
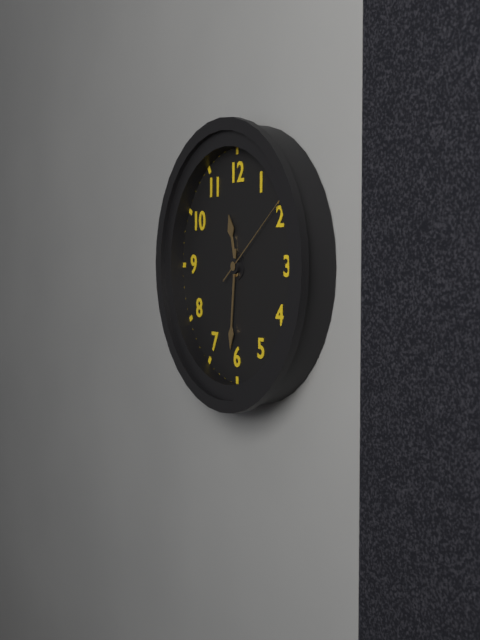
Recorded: h=11 m=31 s=9
